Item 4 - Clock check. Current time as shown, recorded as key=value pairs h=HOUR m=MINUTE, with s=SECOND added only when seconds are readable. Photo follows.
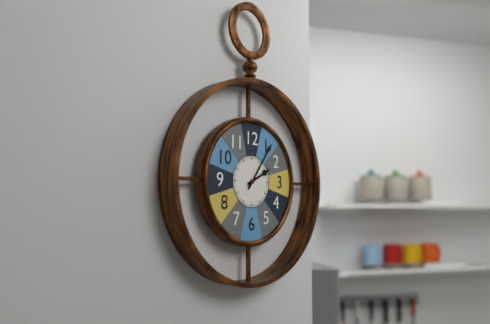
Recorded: h=2 m=6
